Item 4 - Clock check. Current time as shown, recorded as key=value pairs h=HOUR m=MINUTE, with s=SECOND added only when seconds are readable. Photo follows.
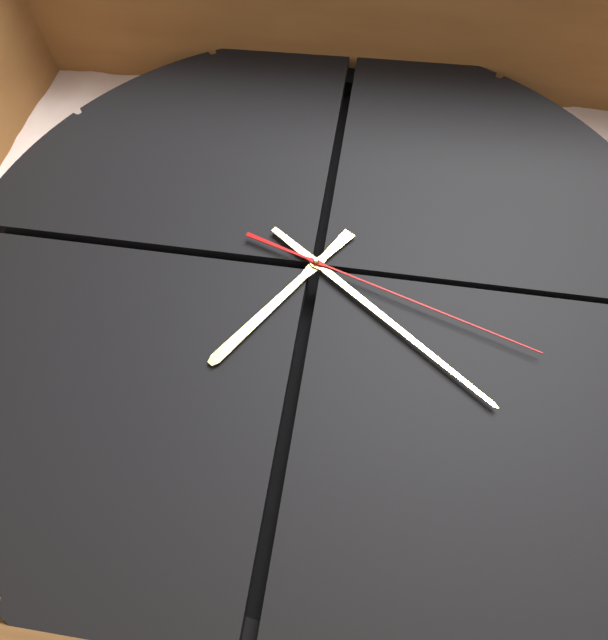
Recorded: h=4 m=6 s=3
